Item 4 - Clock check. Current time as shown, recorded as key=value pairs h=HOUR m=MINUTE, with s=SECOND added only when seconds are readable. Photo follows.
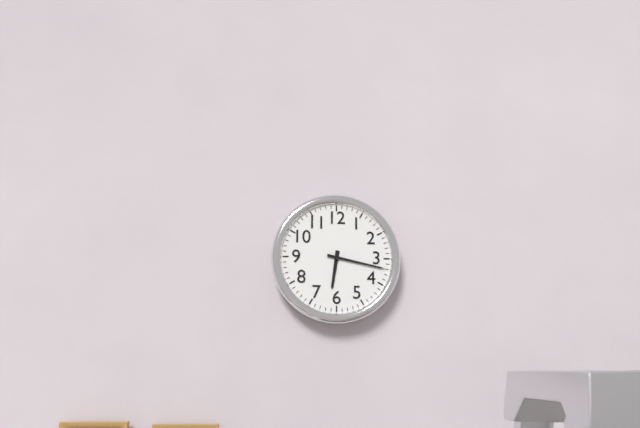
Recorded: h=6 m=17
